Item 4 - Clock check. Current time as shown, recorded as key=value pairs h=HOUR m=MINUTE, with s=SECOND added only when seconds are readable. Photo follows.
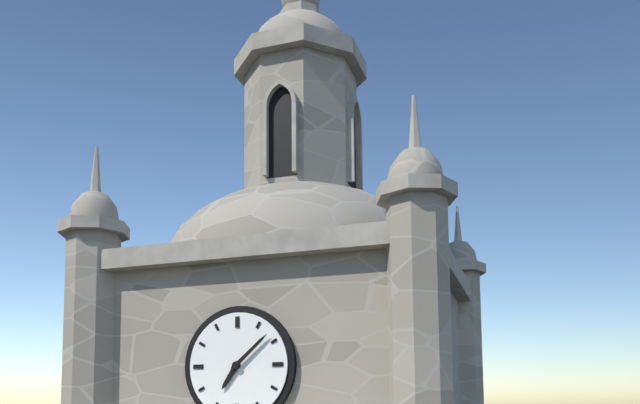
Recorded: h=7 m=8
